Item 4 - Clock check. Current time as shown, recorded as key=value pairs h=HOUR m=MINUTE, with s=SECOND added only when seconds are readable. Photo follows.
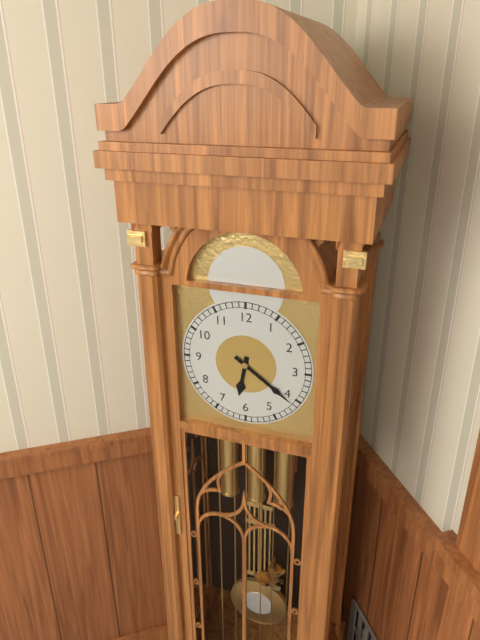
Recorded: h=6 m=21
